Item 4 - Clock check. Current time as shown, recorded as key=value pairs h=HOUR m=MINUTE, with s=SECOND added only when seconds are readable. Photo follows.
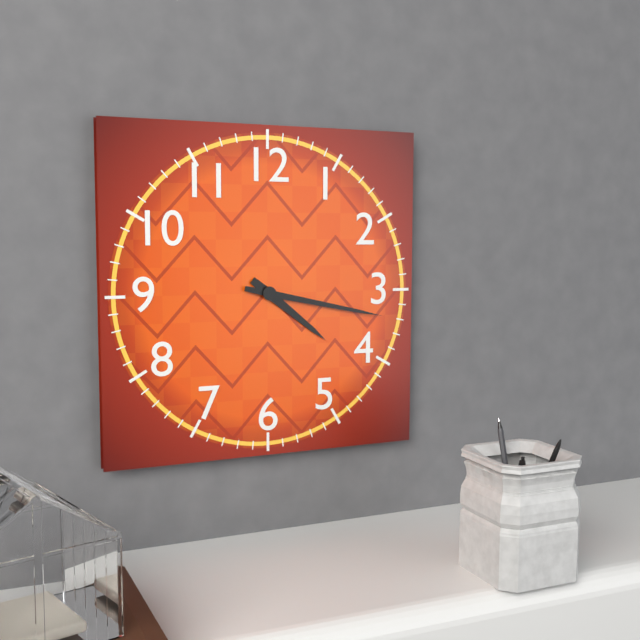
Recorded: h=4 m=17
